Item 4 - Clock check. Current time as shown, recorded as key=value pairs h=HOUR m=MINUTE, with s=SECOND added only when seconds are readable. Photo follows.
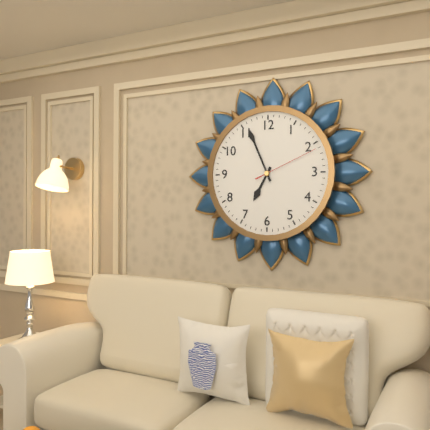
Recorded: h=6 m=56 s=11
